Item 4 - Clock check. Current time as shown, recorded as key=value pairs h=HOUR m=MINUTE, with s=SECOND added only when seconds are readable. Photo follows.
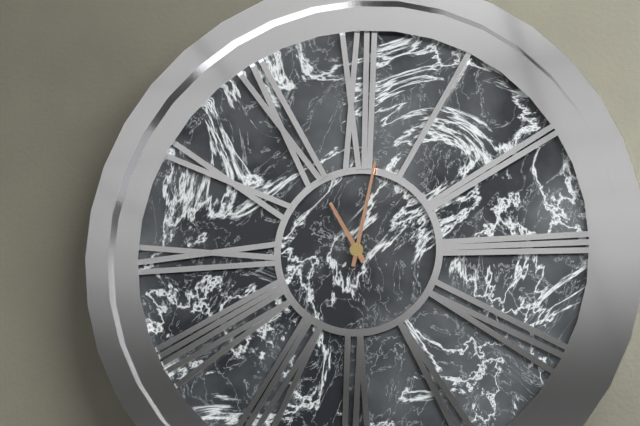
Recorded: h=11 m=2
